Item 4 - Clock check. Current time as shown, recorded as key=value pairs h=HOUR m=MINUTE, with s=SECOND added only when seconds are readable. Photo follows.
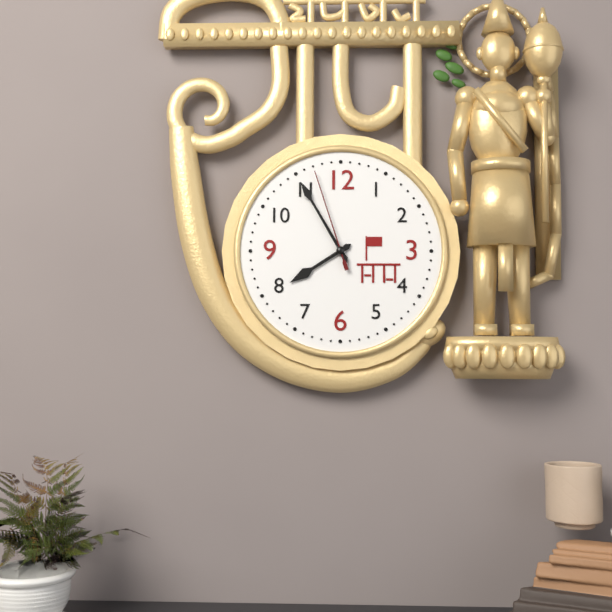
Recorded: h=7 m=55 s=57
